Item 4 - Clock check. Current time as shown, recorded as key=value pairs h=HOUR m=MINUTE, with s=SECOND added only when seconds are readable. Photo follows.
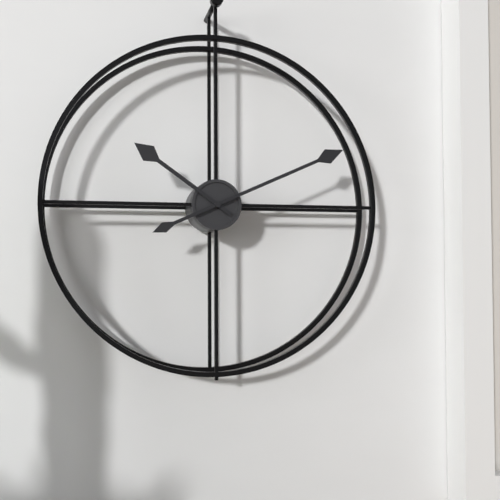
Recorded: h=10 m=11
